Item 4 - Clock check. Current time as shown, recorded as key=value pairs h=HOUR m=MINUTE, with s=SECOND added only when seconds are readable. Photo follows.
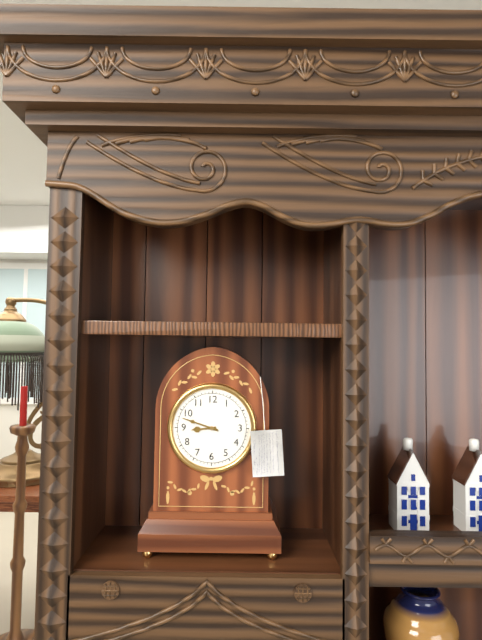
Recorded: h=8 m=48
